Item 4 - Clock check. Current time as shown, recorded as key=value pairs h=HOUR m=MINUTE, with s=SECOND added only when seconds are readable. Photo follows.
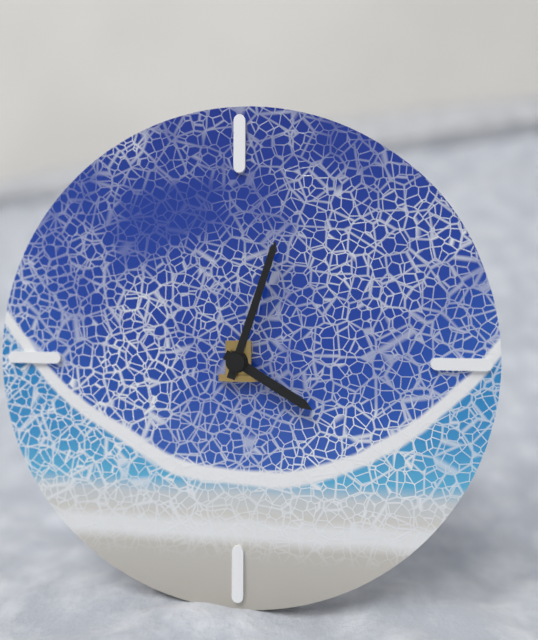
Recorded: h=4 m=3
